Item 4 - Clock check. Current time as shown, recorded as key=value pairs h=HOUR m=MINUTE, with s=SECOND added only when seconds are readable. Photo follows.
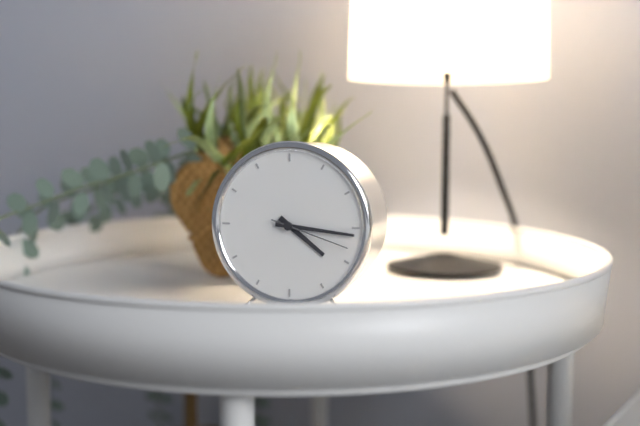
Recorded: h=4 m=16 s=18
